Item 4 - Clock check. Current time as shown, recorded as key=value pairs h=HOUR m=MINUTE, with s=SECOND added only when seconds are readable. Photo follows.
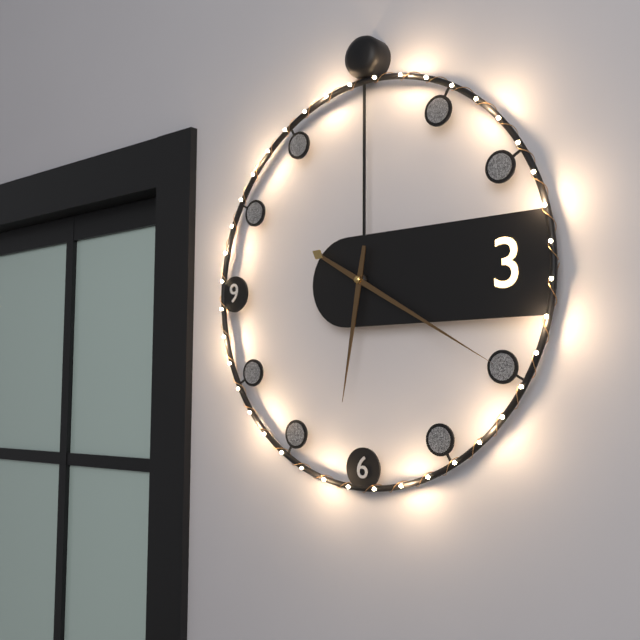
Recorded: h=6 m=20
